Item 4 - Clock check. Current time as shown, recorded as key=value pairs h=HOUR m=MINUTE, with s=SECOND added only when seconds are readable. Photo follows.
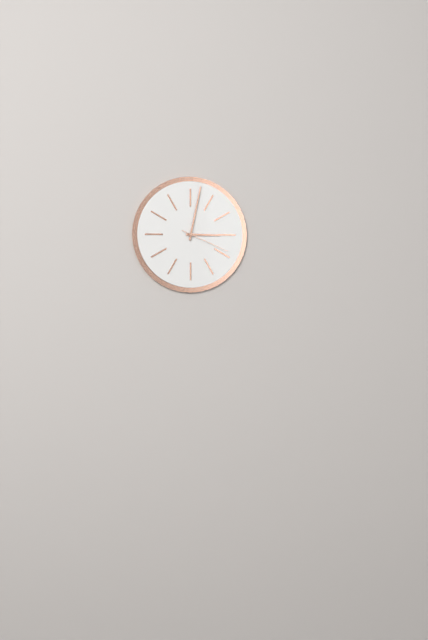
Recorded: h=3 m=2 s=19
